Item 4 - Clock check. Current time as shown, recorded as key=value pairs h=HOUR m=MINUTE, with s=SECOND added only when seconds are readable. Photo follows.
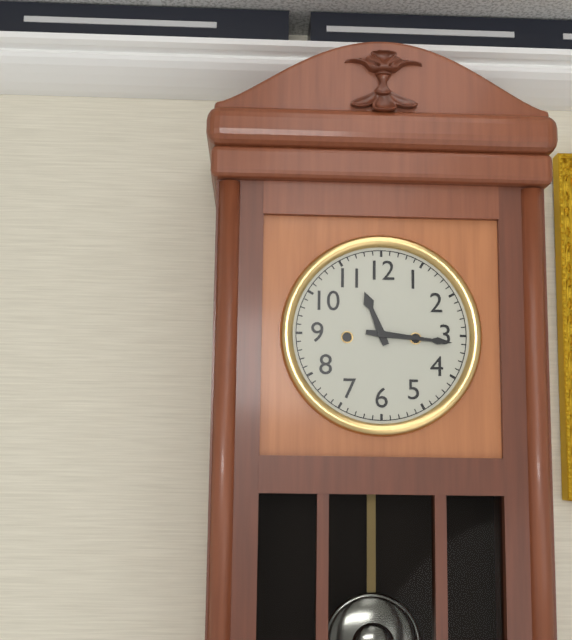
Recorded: h=11 m=16
